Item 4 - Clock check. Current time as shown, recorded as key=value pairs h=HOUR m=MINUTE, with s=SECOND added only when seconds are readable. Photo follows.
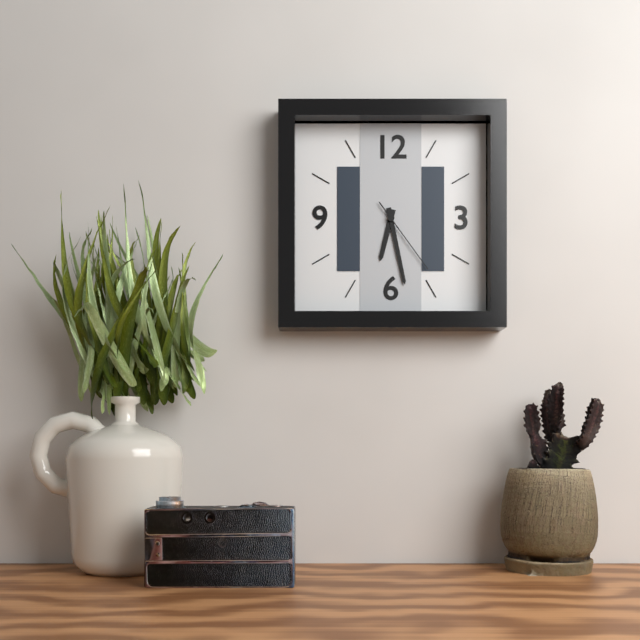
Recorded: h=6 m=28 s=24
